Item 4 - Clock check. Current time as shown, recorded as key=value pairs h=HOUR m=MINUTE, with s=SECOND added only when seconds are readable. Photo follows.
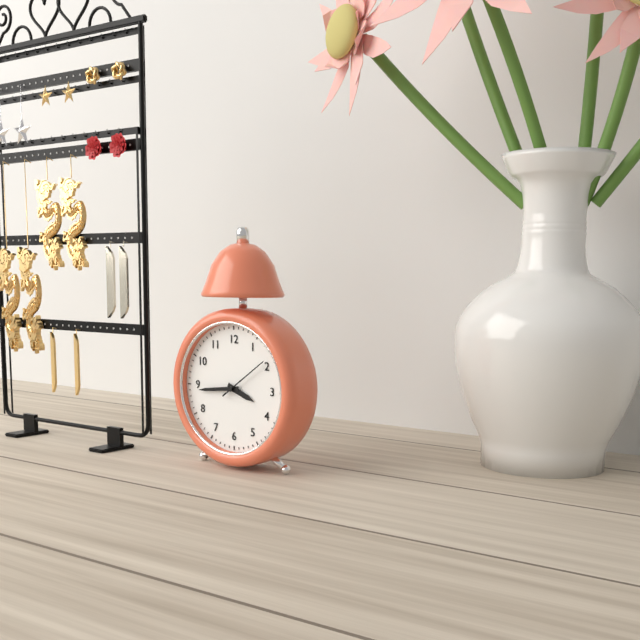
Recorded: h=3 m=44 s=9
